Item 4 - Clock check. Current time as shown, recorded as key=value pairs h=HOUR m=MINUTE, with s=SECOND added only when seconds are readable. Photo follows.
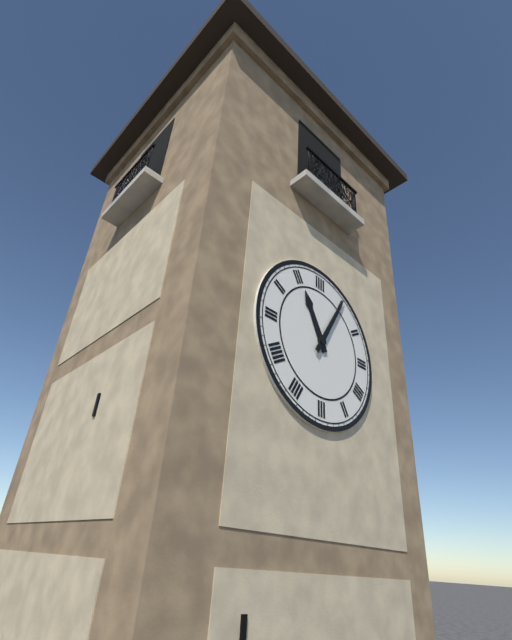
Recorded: h=11 m=5
